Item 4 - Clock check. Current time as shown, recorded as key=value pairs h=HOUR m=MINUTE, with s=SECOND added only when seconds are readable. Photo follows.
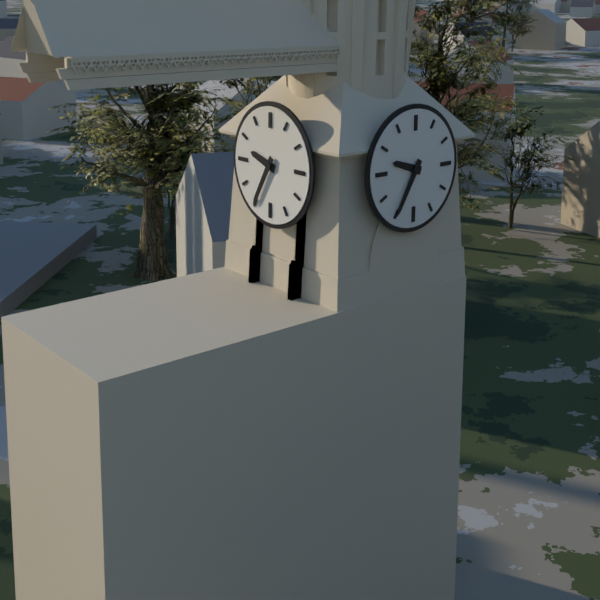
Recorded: h=9 m=35
